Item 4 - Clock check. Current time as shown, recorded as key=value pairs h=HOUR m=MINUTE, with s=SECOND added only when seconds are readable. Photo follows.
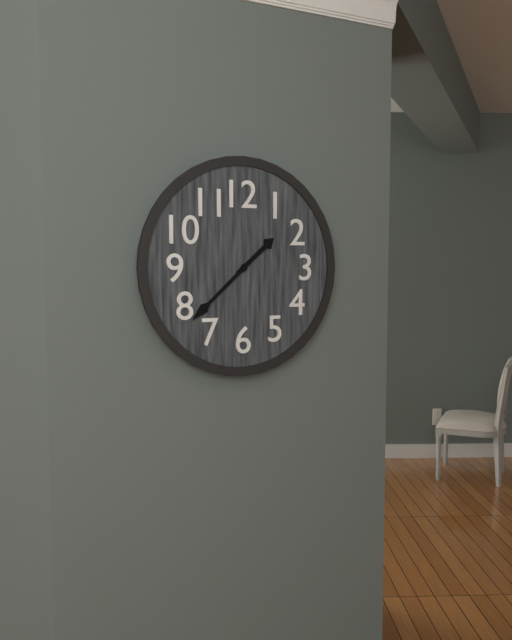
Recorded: h=1 m=38
